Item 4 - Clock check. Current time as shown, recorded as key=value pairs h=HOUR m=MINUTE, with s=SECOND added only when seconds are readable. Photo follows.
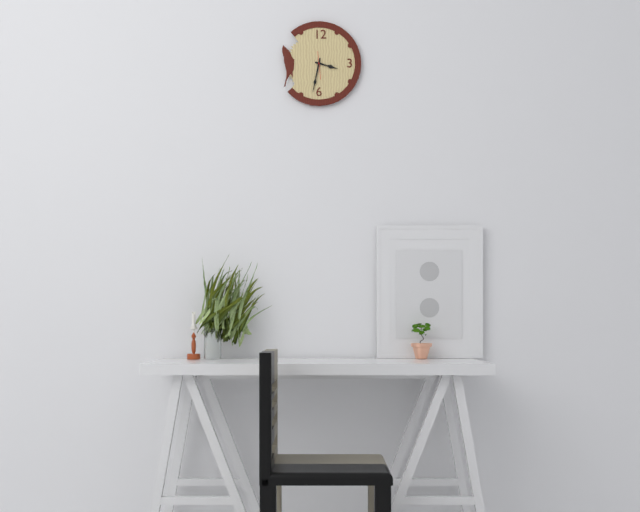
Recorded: h=3 m=32
